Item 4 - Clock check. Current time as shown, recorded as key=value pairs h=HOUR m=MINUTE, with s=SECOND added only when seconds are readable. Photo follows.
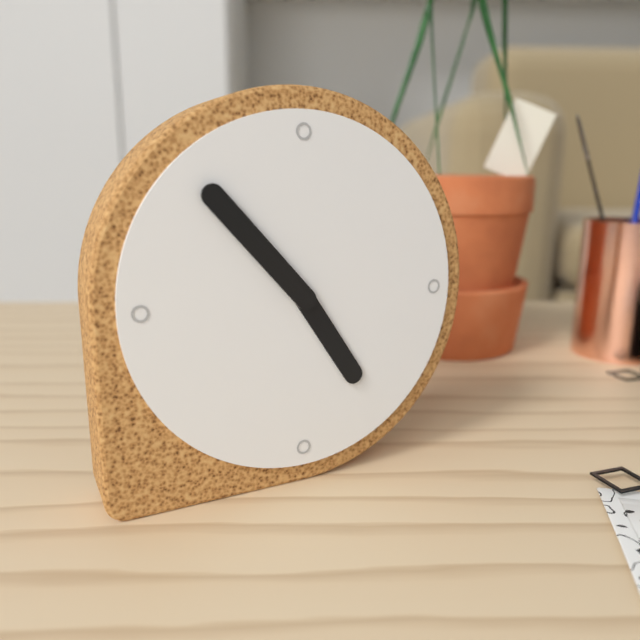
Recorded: h=4 m=53
